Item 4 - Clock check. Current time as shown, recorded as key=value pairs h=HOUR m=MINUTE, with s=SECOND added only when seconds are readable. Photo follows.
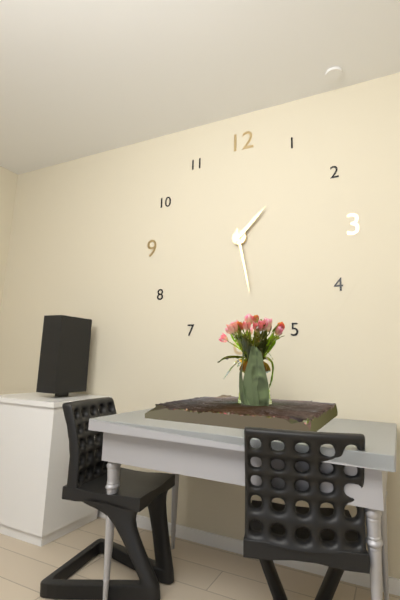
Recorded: h=1 m=28
